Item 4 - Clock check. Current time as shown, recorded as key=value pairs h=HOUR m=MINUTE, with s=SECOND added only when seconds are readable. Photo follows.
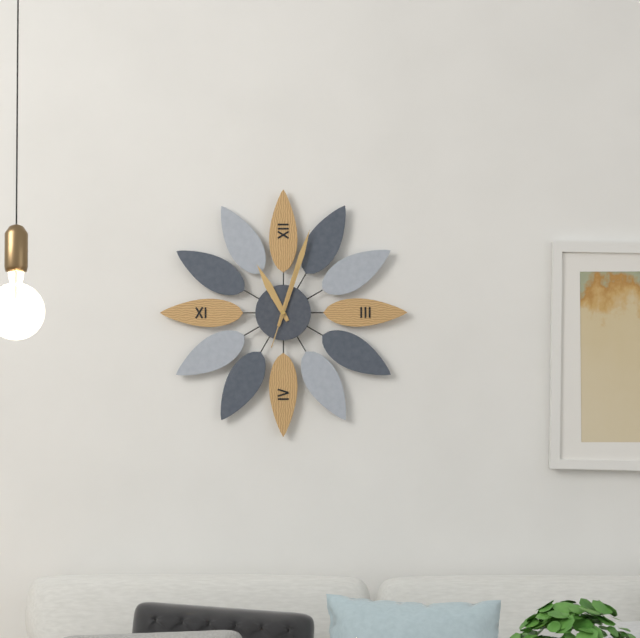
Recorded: h=11 m=3 s=3
